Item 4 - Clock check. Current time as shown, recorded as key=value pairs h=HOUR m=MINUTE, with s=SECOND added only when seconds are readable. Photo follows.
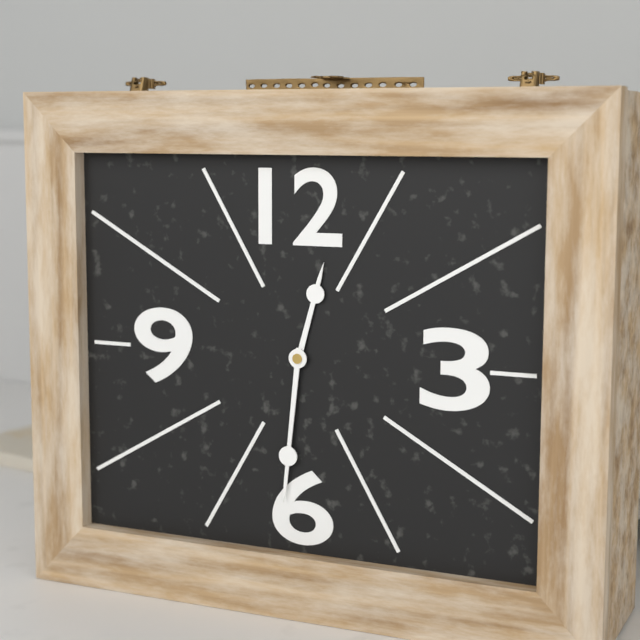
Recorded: h=12 m=31
